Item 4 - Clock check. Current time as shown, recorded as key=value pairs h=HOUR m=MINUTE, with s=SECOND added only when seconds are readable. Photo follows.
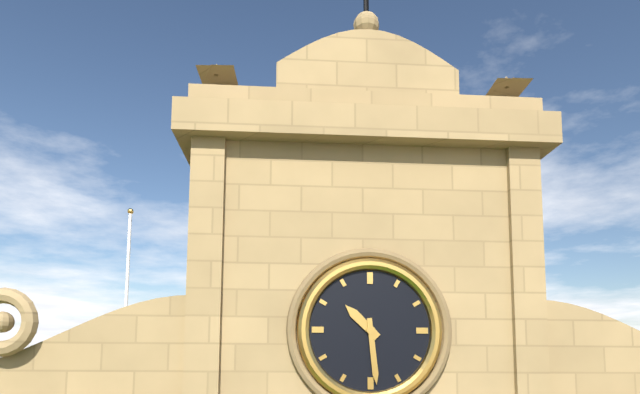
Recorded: h=10 m=29
